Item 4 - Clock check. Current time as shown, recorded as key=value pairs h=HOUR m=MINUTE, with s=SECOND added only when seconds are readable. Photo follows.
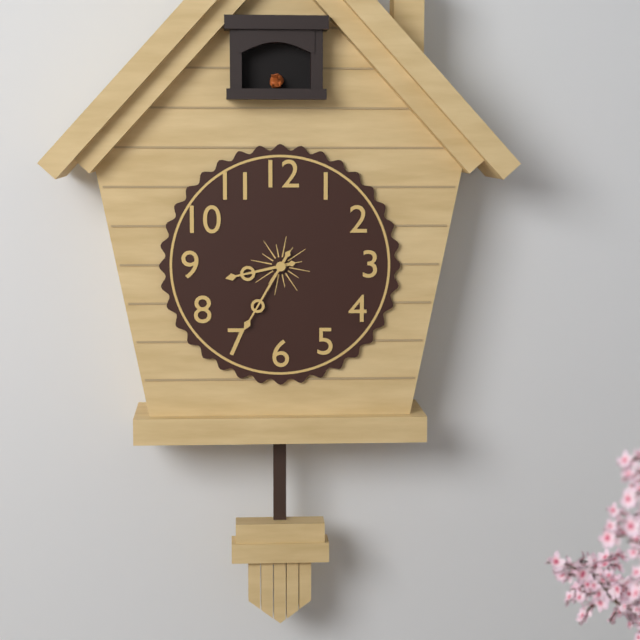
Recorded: h=8 m=35
